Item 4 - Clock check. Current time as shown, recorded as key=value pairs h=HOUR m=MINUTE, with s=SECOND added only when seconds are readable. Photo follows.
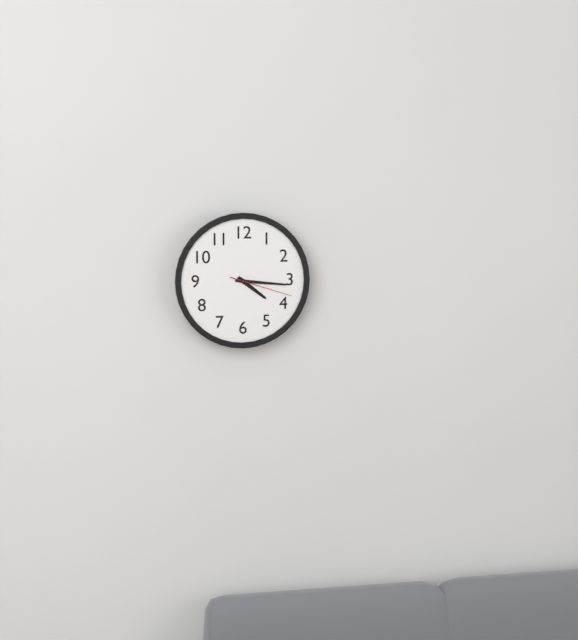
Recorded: h=4 m=16 s=18
